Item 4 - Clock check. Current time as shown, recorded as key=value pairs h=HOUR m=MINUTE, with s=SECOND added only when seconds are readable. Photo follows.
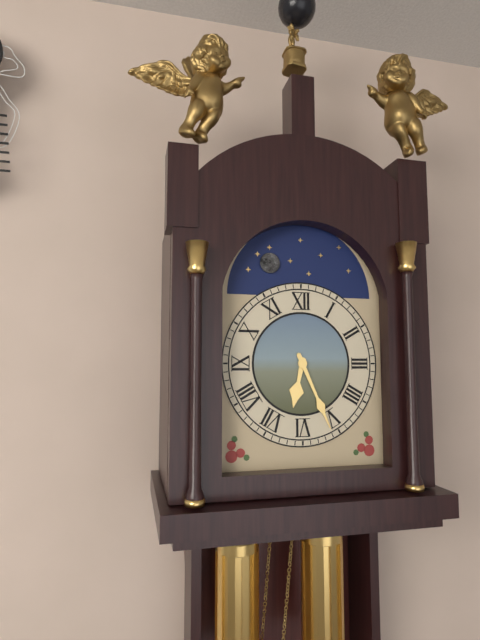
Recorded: h=6 m=26
